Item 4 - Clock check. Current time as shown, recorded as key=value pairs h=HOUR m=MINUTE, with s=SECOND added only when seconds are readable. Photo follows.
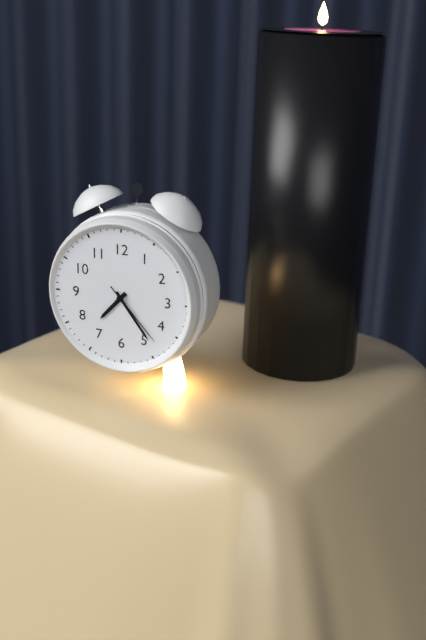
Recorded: h=7 m=24 s=23
